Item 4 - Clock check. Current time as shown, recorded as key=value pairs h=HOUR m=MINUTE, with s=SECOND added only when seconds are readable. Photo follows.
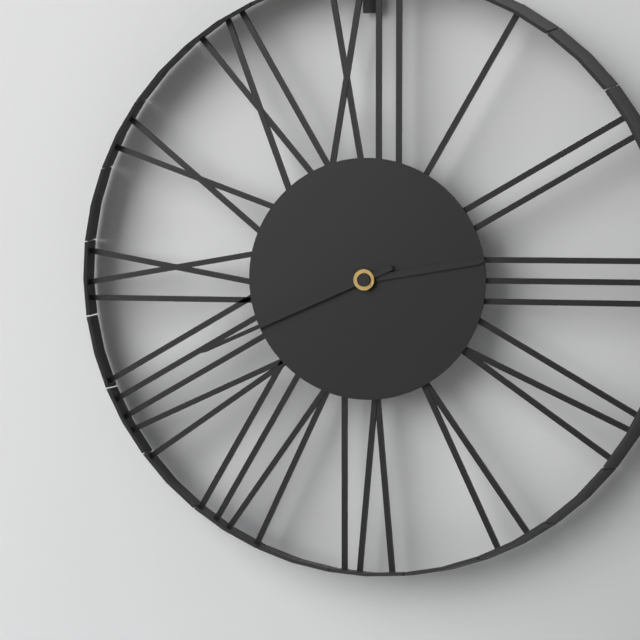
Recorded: h=2 m=41
